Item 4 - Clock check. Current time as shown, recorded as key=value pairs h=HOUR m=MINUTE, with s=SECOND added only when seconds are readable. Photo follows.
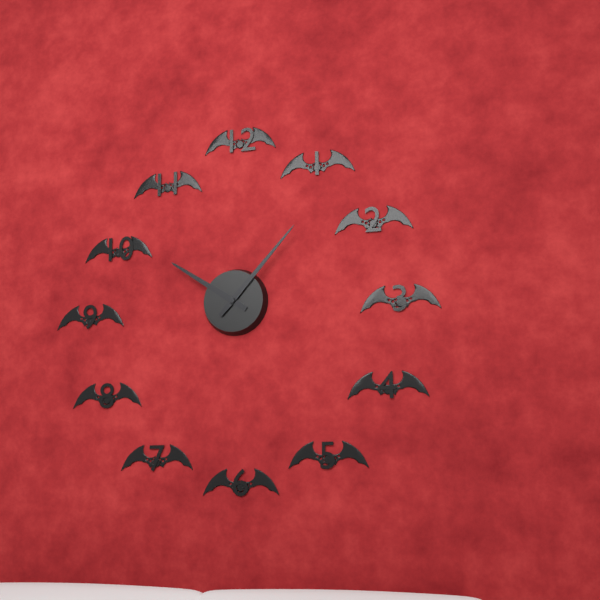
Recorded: h=10 m=7
